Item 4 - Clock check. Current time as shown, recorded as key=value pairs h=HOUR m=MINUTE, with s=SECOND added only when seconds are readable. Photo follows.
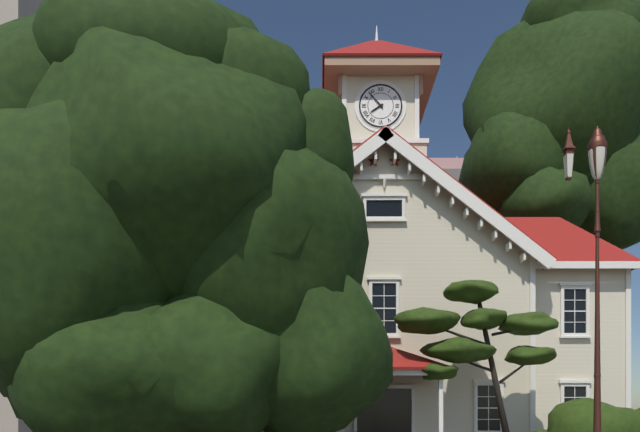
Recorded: h=7 m=53
